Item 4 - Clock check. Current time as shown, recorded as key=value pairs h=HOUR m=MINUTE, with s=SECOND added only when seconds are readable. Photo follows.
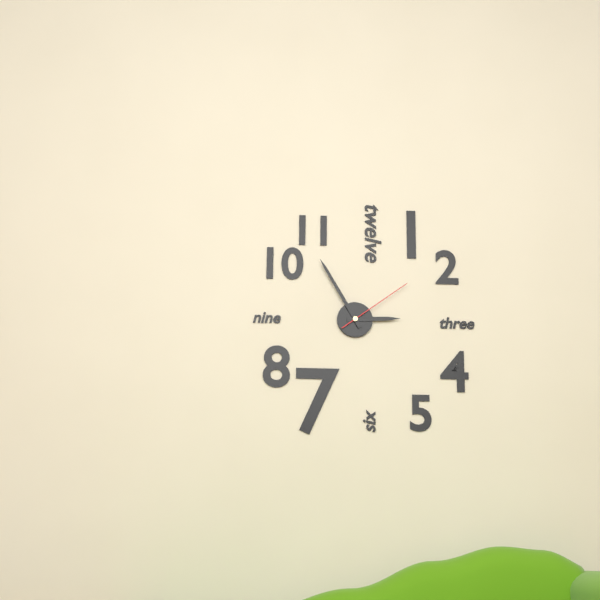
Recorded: h=2 m=55 s=9
